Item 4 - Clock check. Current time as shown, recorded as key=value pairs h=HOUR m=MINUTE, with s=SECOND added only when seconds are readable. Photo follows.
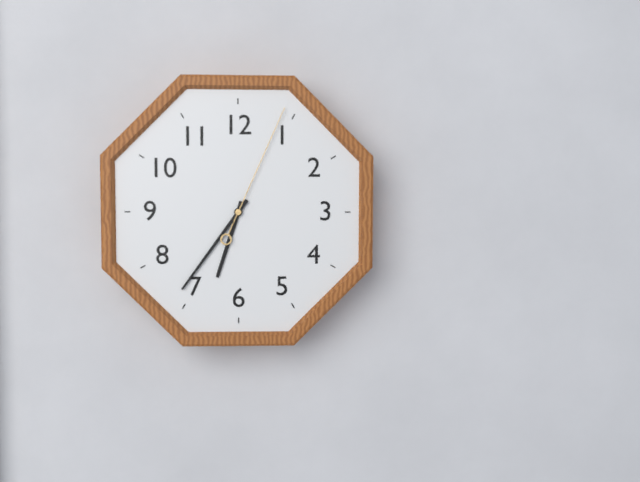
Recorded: h=6 m=36 s=4
